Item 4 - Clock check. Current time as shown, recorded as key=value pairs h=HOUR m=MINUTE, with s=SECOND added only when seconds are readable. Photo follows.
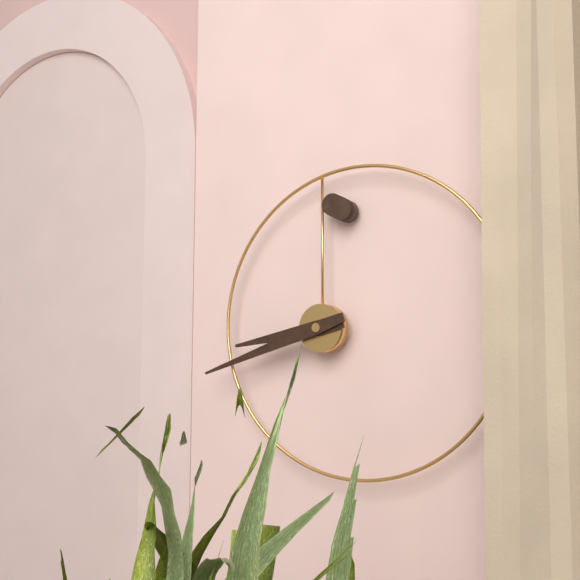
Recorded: h=8 m=42
